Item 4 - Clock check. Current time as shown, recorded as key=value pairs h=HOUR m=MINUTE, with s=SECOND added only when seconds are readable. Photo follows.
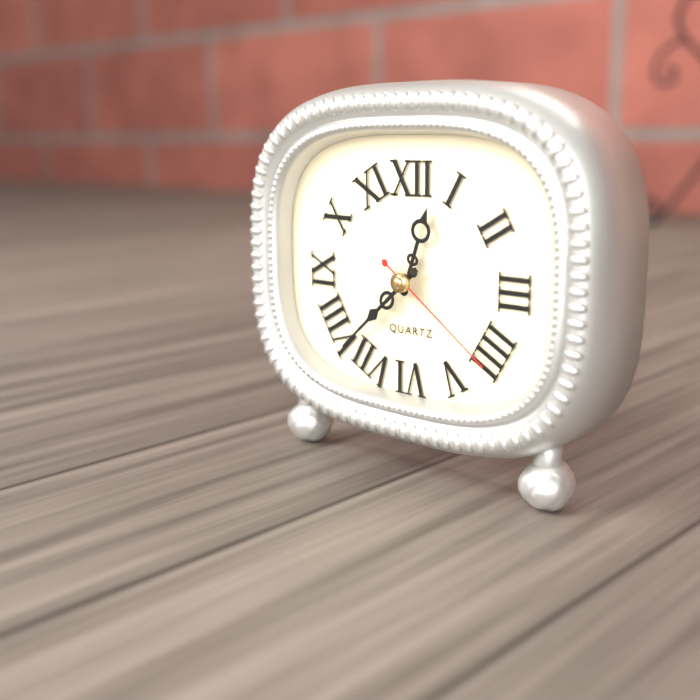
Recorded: h=12 m=38 s=21
